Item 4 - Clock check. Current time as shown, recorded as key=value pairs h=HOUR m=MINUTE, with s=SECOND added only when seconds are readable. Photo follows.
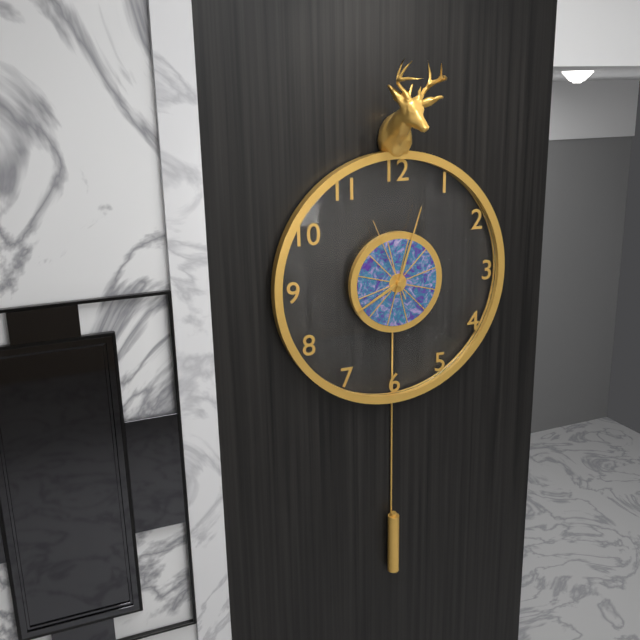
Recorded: h=8 m=3 s=56
